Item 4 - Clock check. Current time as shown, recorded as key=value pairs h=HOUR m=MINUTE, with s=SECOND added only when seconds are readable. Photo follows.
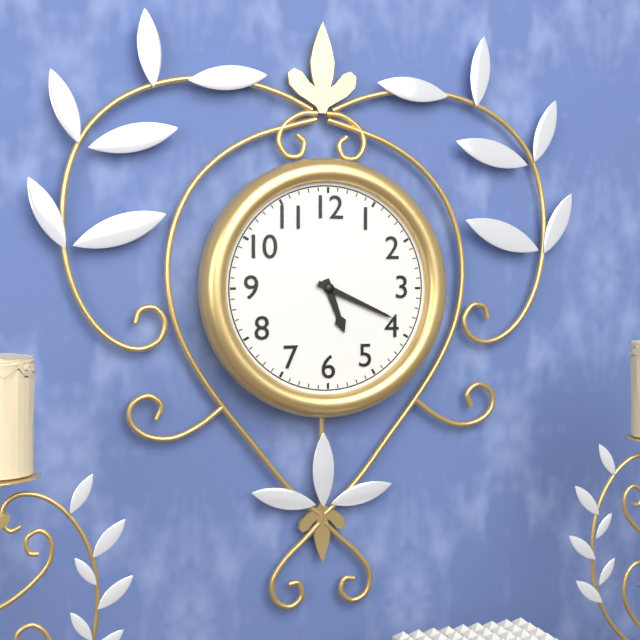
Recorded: h=5 m=19
